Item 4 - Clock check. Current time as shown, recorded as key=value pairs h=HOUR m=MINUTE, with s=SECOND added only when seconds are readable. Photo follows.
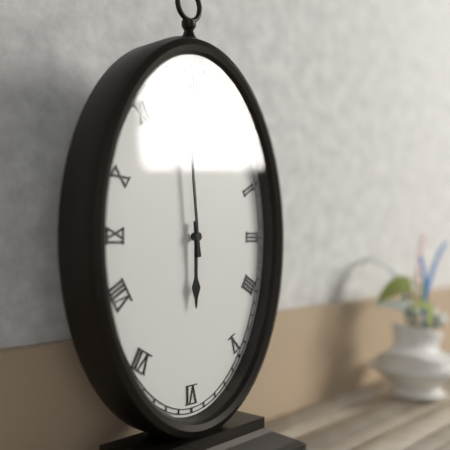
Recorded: h=5 m=59
